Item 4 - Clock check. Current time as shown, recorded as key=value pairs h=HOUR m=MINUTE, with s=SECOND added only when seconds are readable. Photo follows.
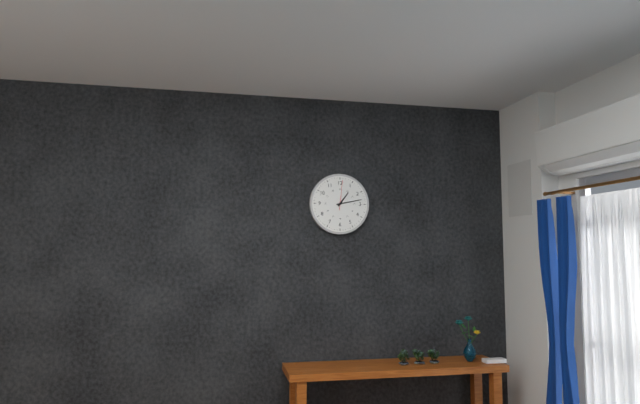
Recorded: h=1 m=13
